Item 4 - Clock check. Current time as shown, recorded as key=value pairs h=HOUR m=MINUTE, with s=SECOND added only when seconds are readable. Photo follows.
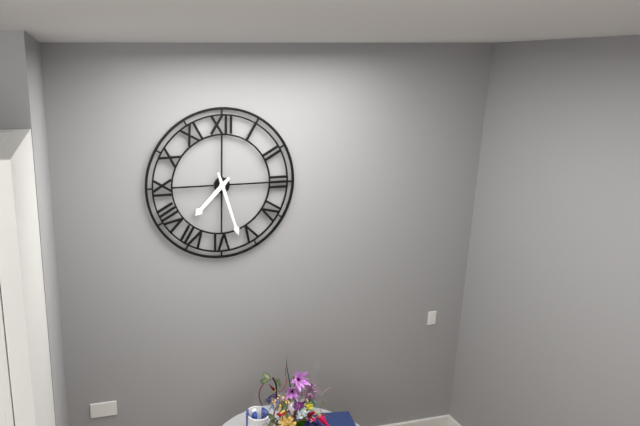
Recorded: h=7 m=27
